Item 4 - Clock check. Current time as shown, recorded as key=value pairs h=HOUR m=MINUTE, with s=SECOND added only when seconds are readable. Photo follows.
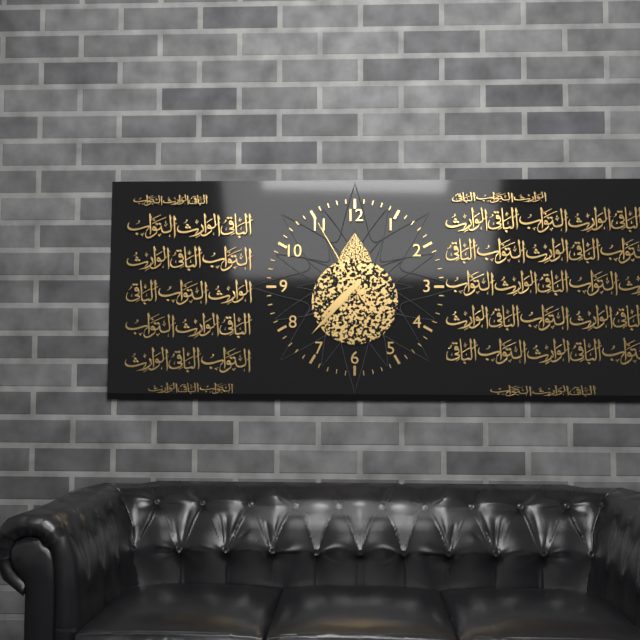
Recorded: h=7 m=37 s=55
